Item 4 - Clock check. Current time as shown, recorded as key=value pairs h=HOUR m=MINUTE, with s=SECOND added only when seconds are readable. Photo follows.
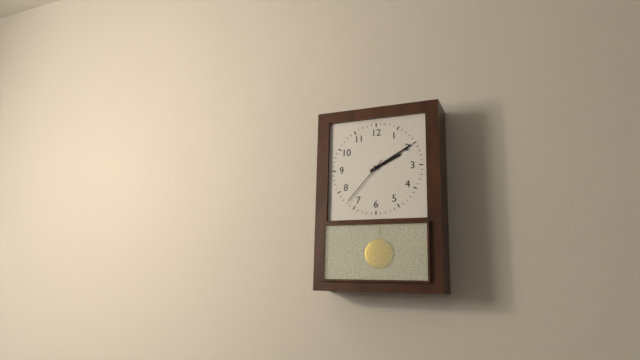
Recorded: h=2 m=10 s=37
